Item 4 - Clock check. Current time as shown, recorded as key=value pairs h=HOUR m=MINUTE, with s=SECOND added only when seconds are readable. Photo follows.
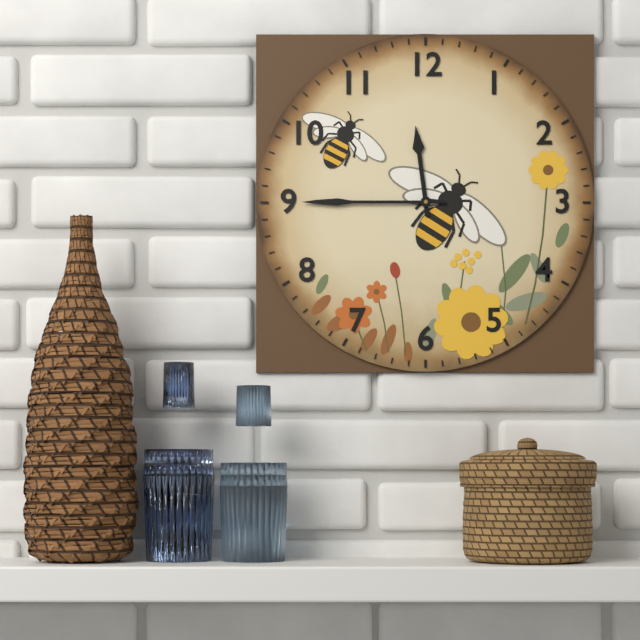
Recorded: h=11 m=45
